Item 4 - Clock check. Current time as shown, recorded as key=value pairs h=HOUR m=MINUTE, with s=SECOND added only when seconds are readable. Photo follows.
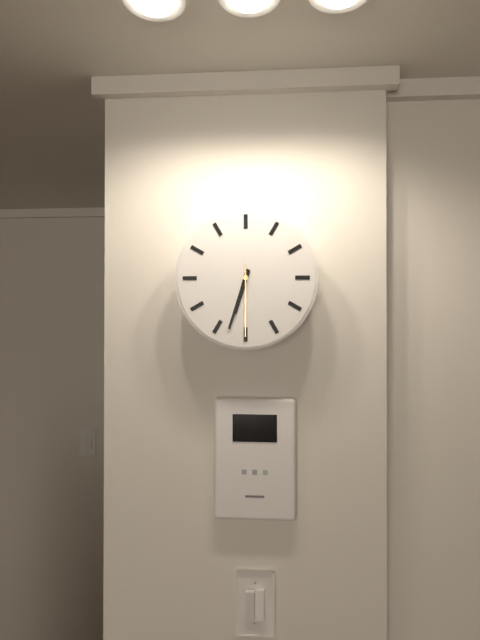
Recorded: h=6 m=33 s=30
